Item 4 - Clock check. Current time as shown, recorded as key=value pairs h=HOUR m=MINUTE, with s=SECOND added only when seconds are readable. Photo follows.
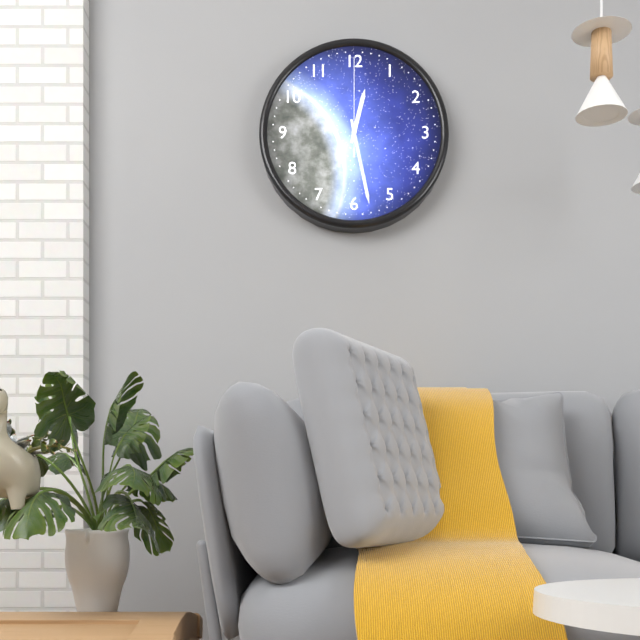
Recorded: h=12 m=28 s=0
